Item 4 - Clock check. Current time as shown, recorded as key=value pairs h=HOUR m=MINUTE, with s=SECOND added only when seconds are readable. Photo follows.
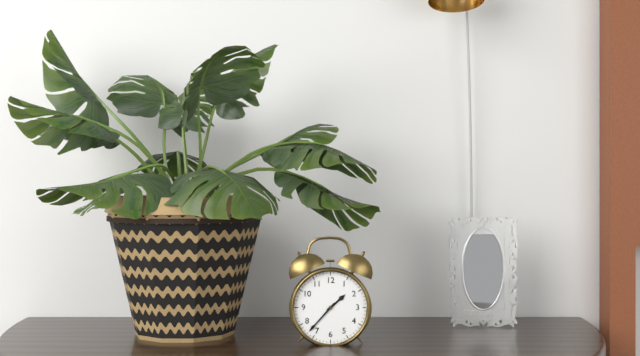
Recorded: h=1 m=37
